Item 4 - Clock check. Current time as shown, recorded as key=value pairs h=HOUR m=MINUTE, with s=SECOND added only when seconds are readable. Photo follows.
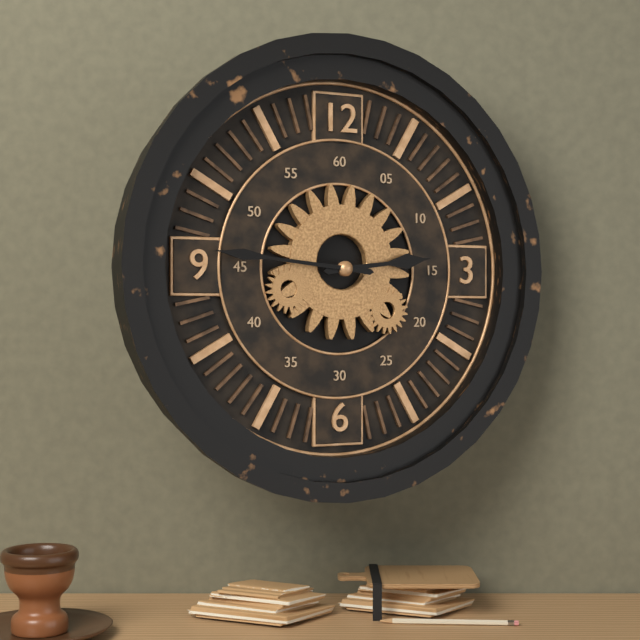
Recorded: h=2 m=46
